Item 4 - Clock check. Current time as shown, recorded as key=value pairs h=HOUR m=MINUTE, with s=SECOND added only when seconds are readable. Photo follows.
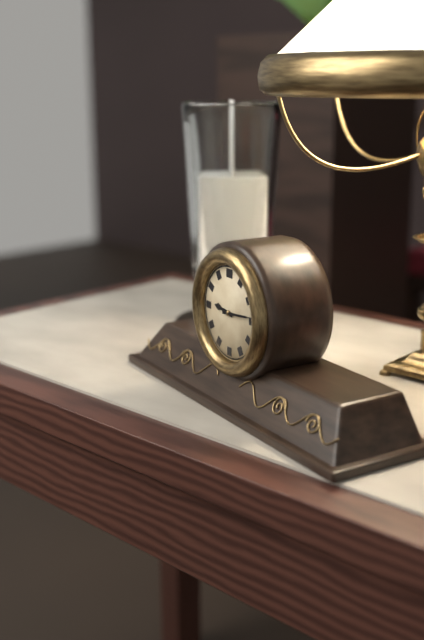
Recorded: h=9 m=14
